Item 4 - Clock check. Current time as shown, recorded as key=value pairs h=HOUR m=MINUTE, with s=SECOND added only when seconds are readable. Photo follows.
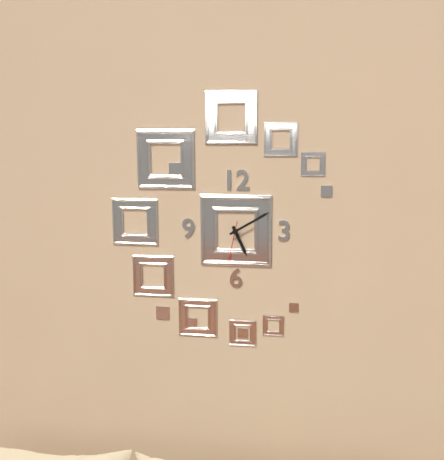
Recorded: h=5 m=10
